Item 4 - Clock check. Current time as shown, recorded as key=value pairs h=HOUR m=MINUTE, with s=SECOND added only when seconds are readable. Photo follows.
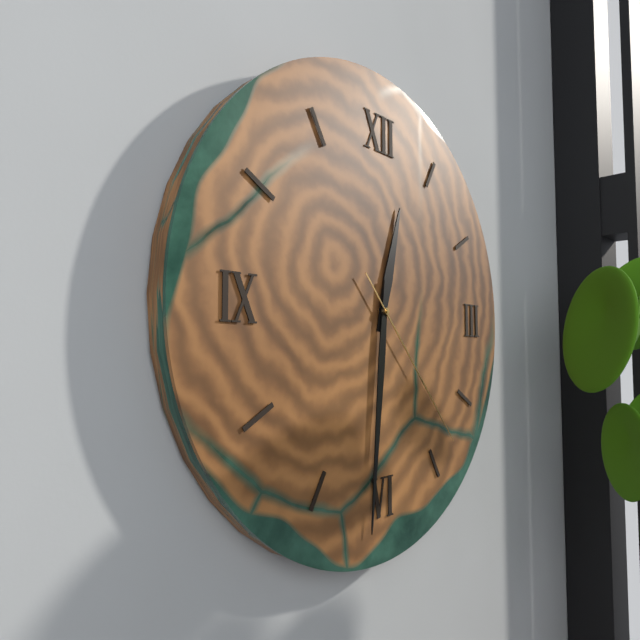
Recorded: h=12 m=31 s=23
